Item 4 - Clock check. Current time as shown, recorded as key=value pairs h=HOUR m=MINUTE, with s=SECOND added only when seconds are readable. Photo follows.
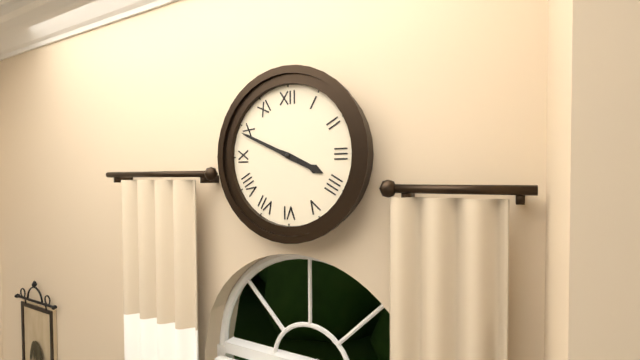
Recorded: h=3 m=49
